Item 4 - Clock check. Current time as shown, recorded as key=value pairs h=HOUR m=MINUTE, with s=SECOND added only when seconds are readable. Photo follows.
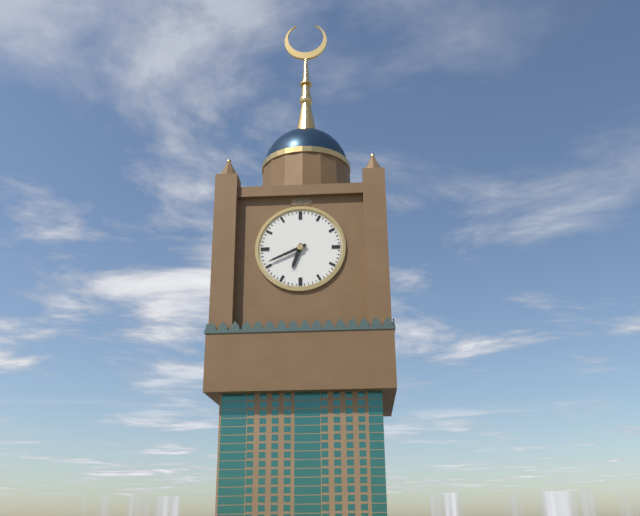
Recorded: h=6 m=41
